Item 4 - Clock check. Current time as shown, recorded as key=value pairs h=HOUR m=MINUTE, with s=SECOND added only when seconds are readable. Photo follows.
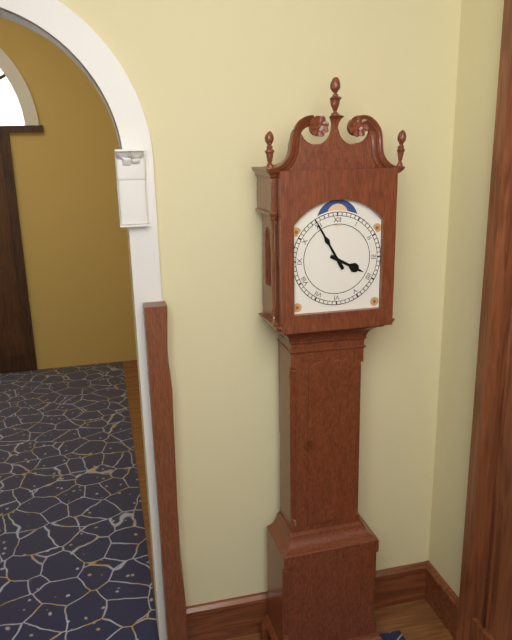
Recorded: h=3 m=55
